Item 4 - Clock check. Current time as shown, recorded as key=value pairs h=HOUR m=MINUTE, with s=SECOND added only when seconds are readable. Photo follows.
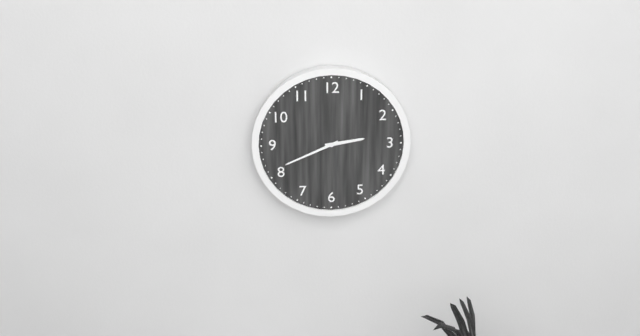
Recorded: h=2 m=41
